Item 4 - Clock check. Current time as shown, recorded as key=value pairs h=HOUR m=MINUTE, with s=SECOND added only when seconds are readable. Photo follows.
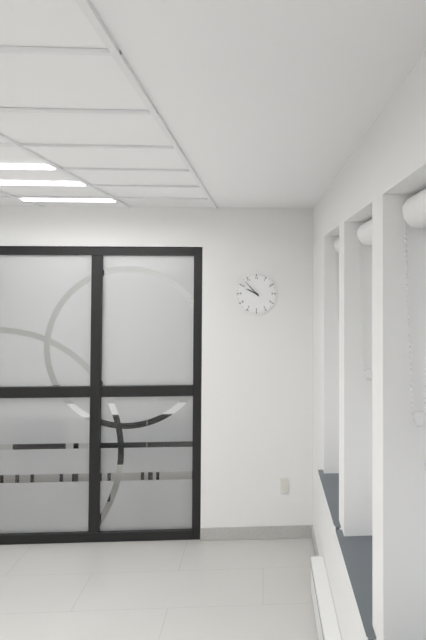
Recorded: h=9 m=53
